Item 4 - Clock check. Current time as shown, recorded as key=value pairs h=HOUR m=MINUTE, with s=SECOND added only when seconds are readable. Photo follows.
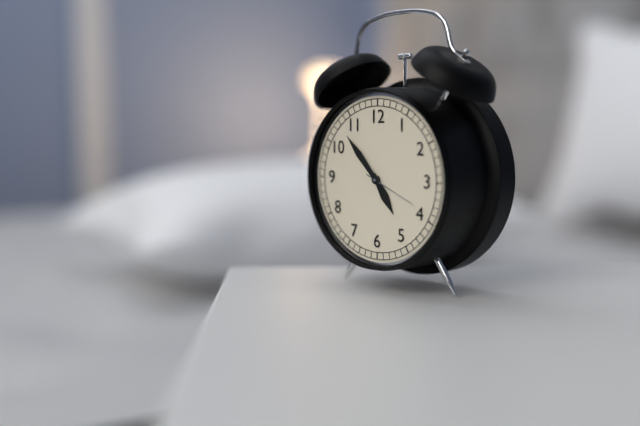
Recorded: h=4 m=53 s=19
